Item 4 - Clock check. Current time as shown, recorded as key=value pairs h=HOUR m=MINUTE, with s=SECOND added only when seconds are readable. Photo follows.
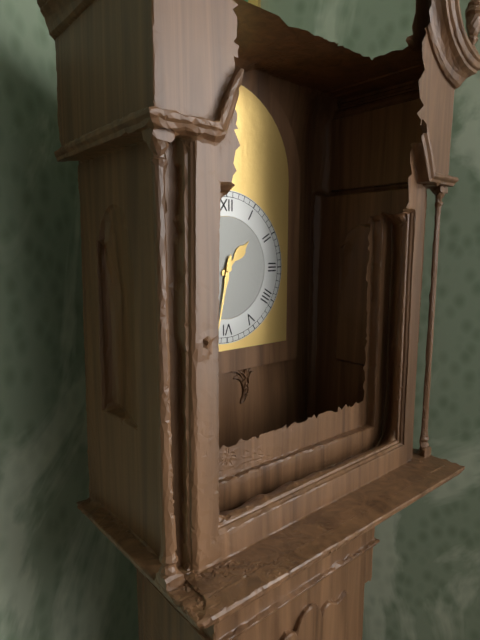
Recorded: h=1 m=32
